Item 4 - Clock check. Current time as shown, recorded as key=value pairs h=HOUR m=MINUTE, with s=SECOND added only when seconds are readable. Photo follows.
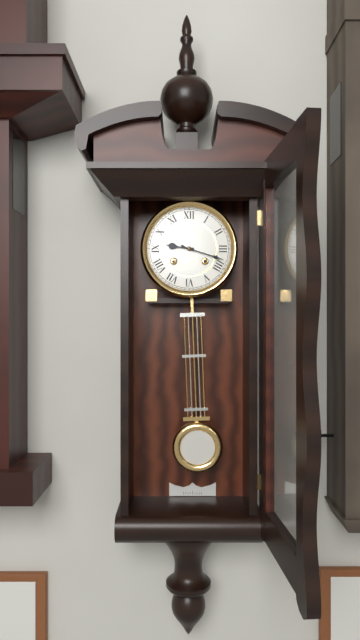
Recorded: h=9 m=18
